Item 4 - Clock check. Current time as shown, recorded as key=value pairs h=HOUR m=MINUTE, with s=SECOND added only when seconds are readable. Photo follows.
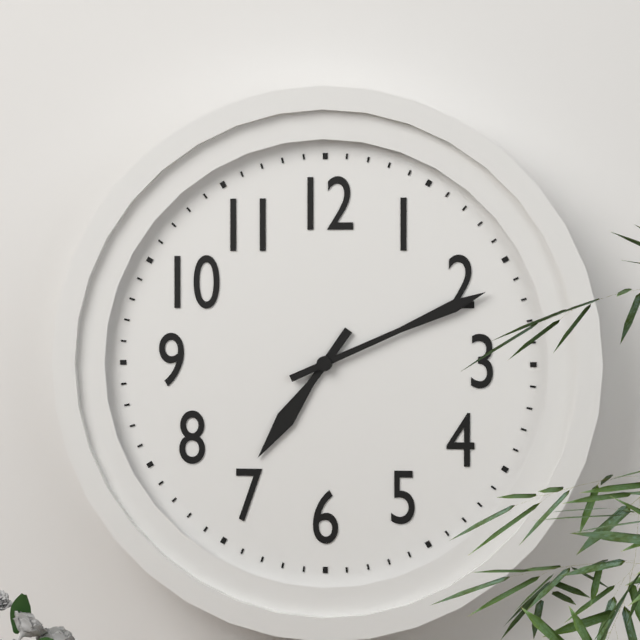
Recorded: h=7 m=11
